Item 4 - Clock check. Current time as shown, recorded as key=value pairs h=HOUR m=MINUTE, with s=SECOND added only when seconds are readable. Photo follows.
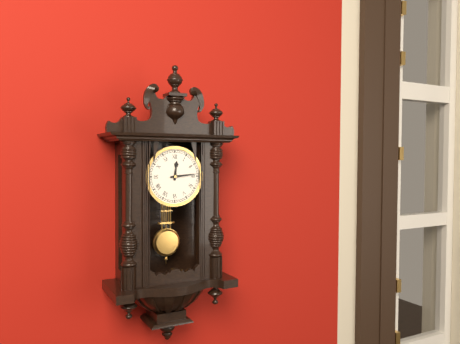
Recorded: h=12 m=14
